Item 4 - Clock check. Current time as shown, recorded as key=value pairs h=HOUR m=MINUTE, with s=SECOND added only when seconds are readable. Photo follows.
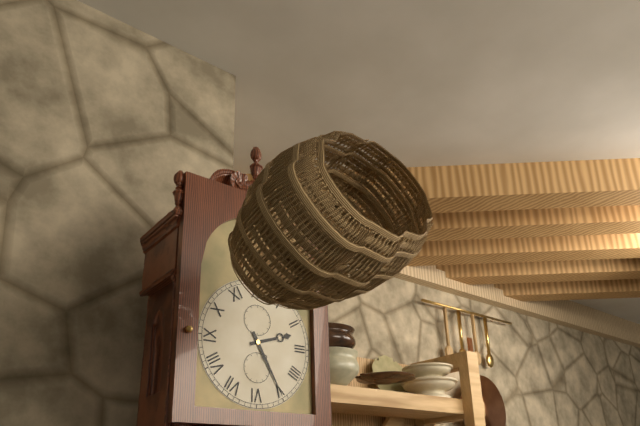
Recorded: h=2 m=25
